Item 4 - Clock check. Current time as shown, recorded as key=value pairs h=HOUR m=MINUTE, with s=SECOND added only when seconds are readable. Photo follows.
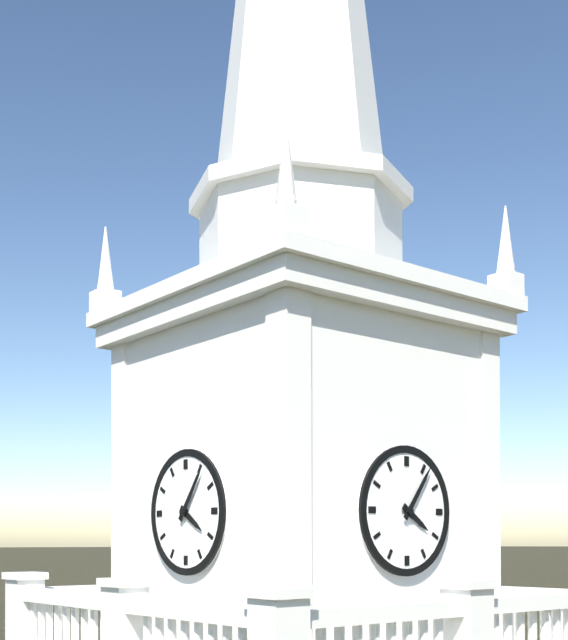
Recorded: h=4 m=6
